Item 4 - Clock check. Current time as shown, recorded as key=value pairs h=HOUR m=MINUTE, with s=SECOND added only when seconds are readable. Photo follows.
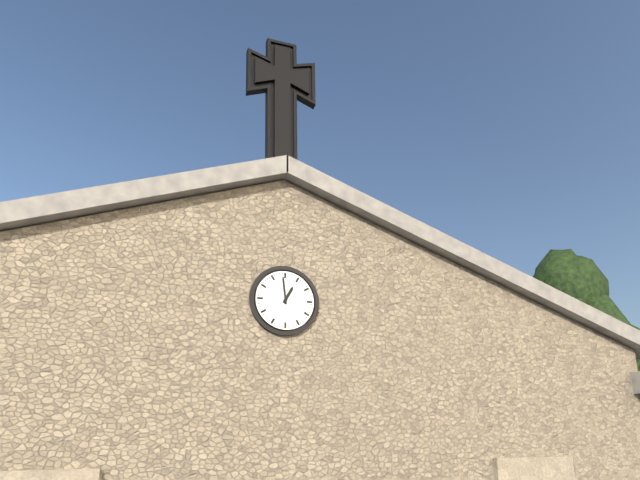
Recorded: h=12 m=59
